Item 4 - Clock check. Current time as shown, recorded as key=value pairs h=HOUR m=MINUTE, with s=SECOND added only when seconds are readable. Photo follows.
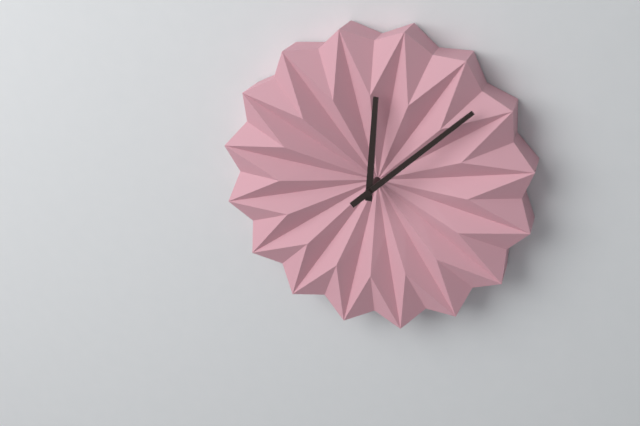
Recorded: h=12 m=8
